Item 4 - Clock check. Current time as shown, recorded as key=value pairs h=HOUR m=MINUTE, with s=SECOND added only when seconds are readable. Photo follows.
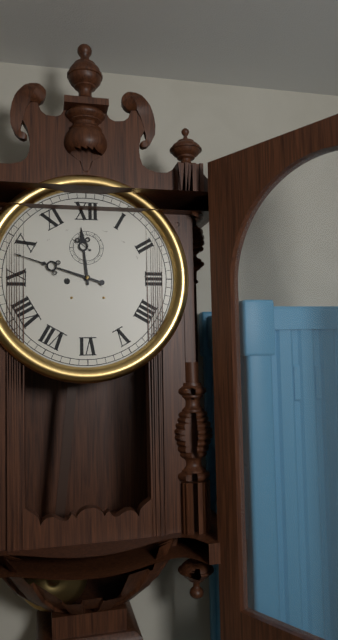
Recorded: h=11 m=48
